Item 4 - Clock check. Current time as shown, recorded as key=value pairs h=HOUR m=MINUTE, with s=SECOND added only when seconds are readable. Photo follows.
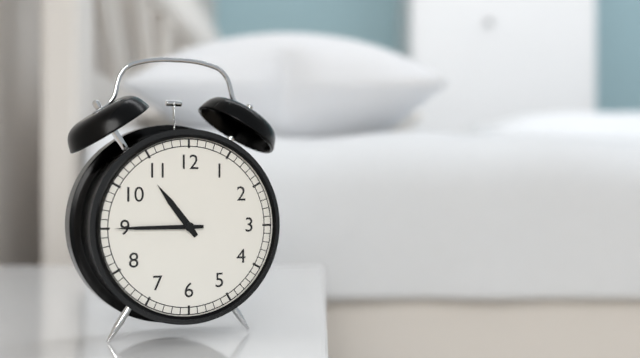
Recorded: h=10 m=45
